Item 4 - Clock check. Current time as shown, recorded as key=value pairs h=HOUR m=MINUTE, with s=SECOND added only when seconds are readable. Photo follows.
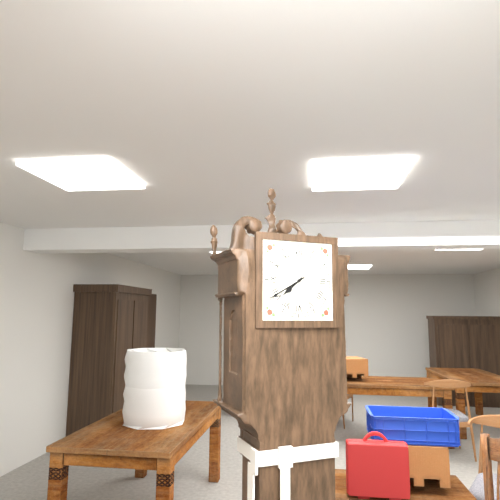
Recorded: h=7 m=40
